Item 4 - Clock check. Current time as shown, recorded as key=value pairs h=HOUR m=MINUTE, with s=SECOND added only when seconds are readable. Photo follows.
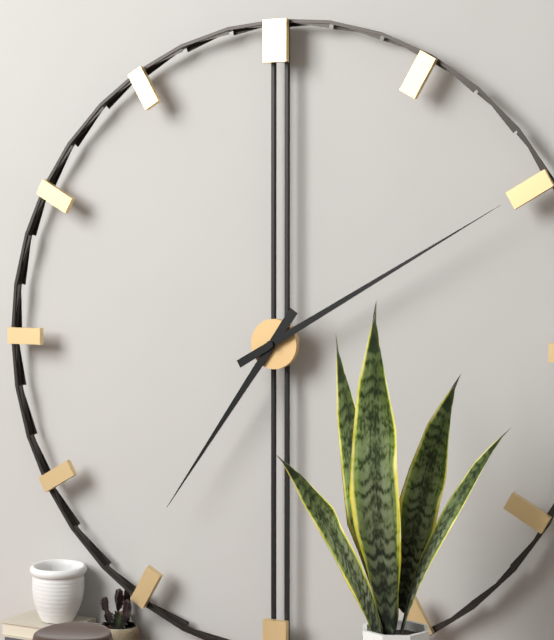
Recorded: h=7 m=10
